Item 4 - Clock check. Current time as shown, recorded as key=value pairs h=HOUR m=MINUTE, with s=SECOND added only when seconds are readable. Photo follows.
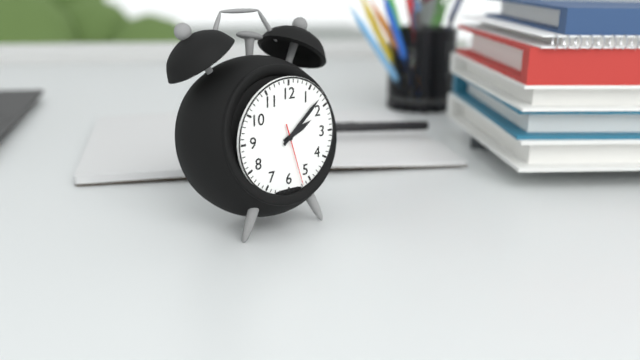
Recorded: h=2 m=8 s=27
